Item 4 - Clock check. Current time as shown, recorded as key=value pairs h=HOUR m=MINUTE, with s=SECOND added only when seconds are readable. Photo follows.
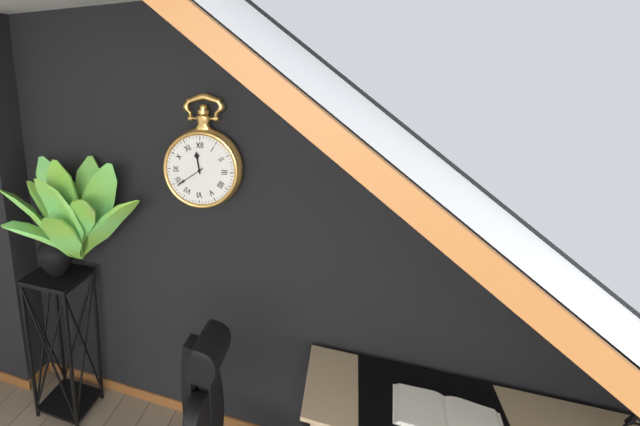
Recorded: h=11 m=39
